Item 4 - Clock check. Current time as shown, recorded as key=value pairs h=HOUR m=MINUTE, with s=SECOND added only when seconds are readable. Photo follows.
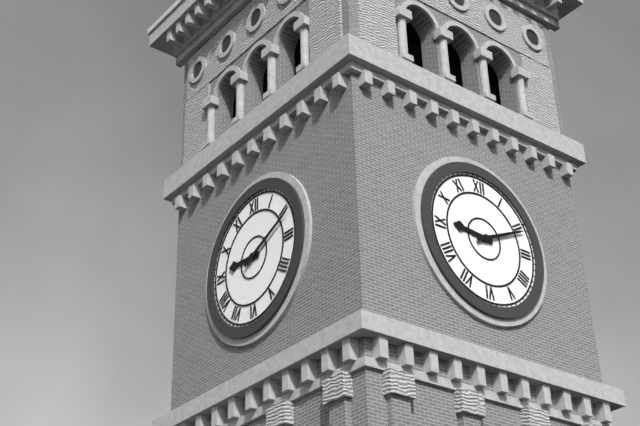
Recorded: h=9 m=11
